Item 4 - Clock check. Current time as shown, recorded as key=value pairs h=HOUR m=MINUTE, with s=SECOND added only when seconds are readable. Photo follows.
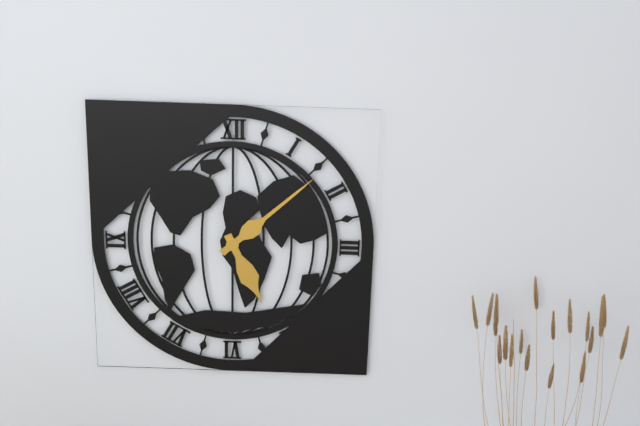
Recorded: h=5 m=8
